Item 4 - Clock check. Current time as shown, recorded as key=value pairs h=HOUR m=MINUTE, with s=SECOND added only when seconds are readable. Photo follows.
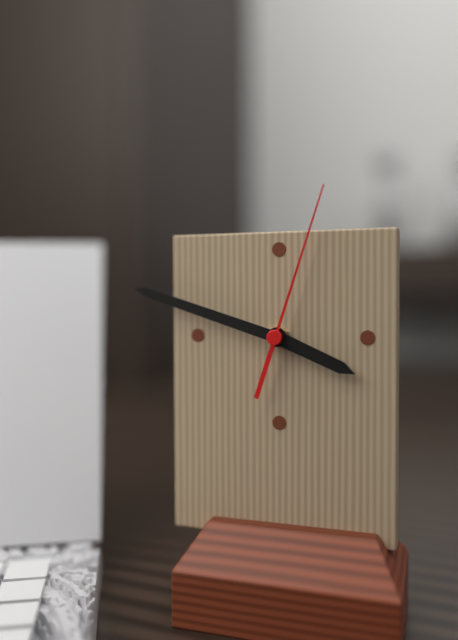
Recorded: h=3 m=48 s=3
